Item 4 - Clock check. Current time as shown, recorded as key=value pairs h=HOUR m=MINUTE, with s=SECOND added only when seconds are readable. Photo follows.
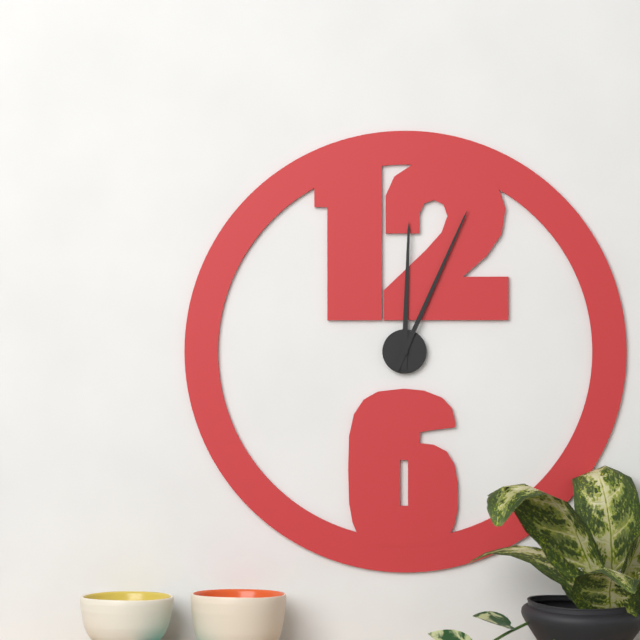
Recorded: h=12 m=4
